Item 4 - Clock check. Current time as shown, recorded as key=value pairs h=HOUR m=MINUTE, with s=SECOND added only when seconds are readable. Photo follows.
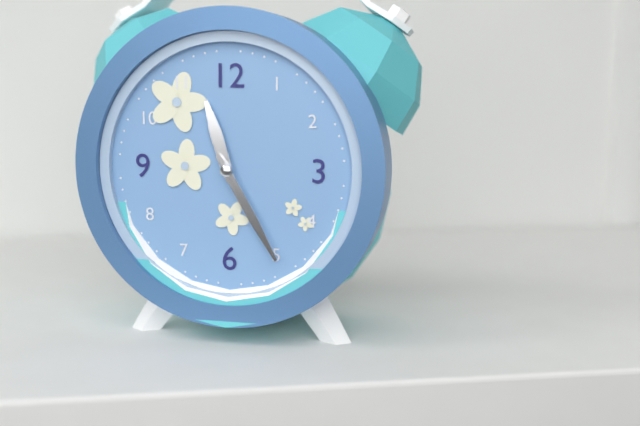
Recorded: h=11 m=25
